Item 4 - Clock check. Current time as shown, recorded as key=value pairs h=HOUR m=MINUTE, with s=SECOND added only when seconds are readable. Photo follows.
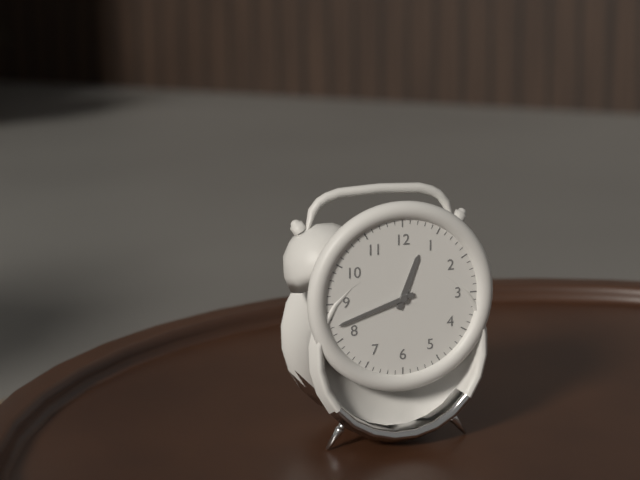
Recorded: h=12 m=42
